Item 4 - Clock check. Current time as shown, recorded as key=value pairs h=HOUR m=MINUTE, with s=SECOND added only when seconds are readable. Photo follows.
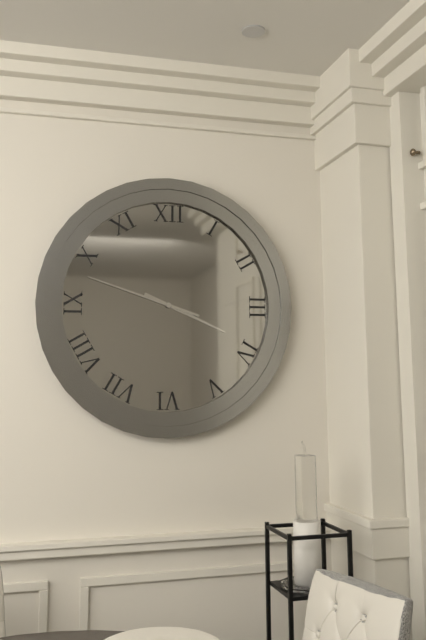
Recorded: h=3 m=48
